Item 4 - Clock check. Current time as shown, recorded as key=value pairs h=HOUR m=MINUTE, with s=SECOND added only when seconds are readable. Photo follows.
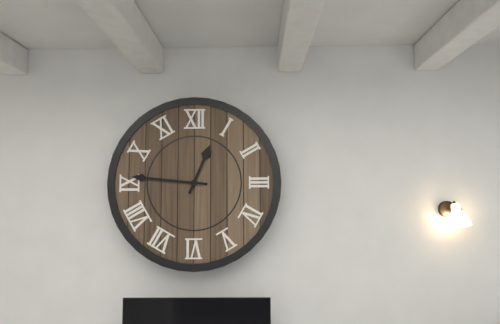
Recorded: h=12 m=46
